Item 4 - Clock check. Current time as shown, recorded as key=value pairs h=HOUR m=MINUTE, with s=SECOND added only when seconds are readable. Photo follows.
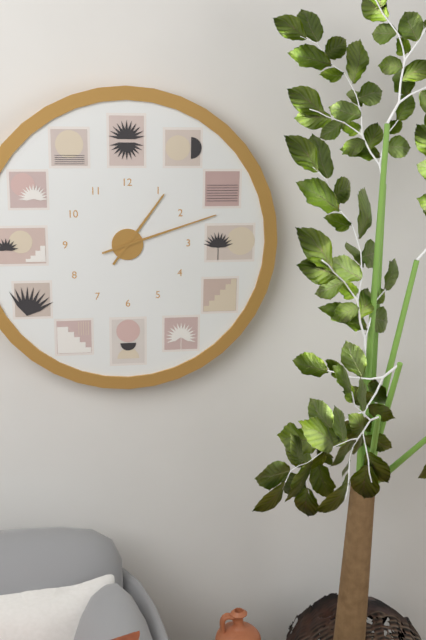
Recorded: h=1 m=12
